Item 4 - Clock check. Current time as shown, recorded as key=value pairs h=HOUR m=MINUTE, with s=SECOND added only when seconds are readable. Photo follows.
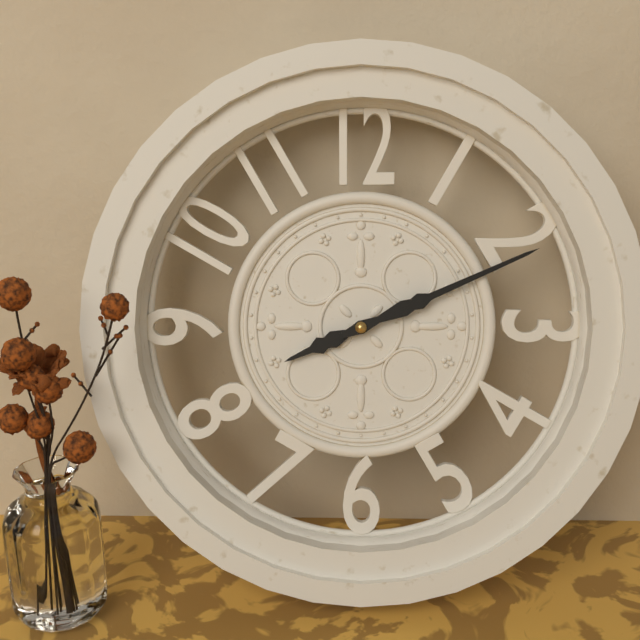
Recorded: h=8 m=11
